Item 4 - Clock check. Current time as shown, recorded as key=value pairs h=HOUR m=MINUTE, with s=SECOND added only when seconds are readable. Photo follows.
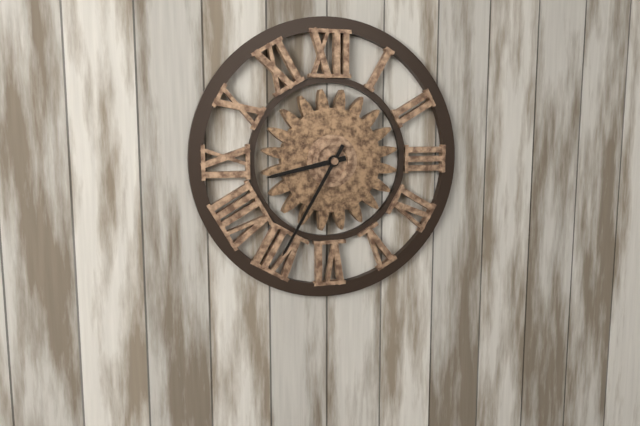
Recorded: h=8 m=35
